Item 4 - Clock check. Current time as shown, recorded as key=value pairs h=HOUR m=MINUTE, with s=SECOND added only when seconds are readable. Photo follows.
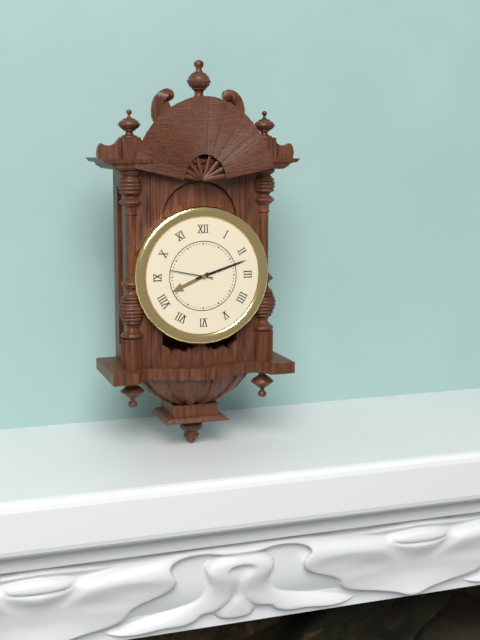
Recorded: h=8 m=12
